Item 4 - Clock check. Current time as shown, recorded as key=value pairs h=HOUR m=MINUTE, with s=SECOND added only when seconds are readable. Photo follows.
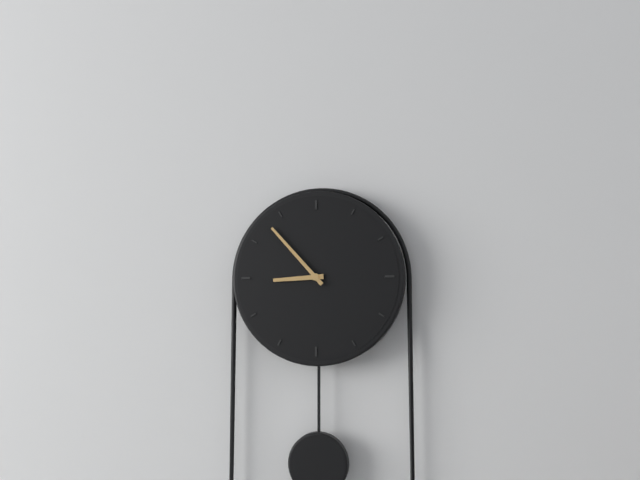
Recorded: h=8 m=53
